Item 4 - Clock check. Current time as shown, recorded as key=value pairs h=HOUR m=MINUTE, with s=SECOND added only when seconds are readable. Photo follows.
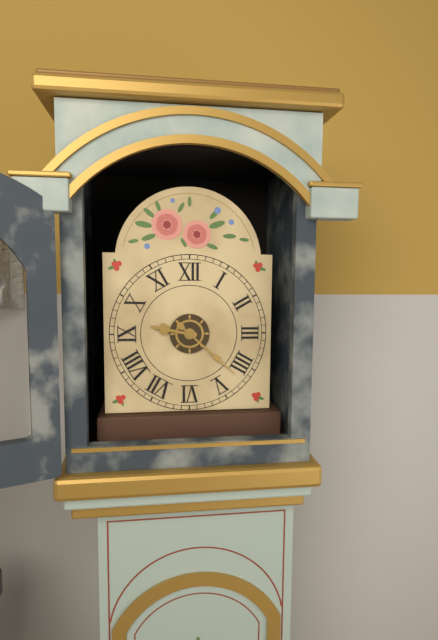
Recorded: h=9 m=22
